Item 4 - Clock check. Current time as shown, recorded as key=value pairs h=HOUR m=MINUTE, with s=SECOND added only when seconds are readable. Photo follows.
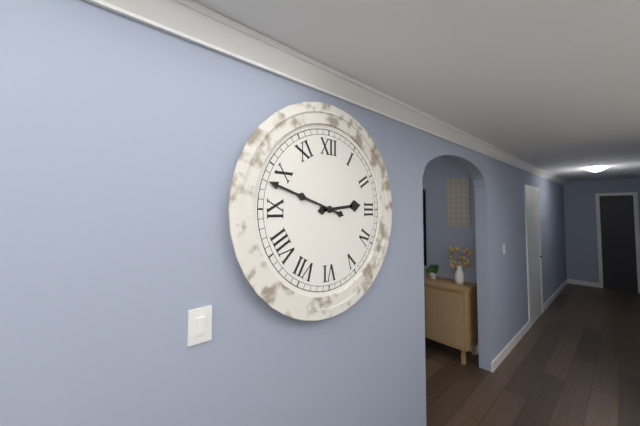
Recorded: h=2 m=48
